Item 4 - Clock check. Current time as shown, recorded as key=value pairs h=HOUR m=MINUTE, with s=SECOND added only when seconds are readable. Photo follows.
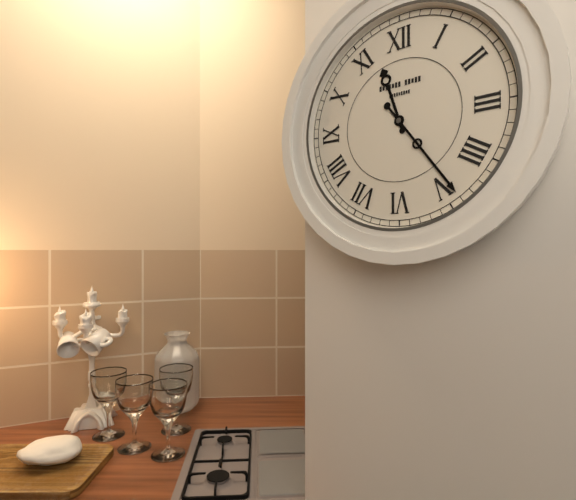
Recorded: h=11 m=24
